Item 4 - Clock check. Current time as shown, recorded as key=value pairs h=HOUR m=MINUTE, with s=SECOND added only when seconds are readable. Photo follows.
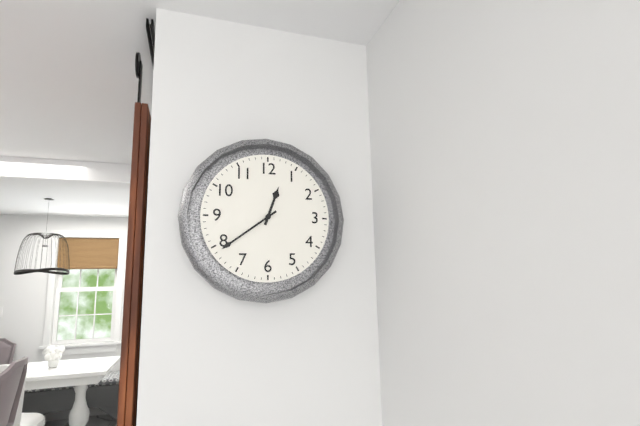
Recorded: h=12 m=39
